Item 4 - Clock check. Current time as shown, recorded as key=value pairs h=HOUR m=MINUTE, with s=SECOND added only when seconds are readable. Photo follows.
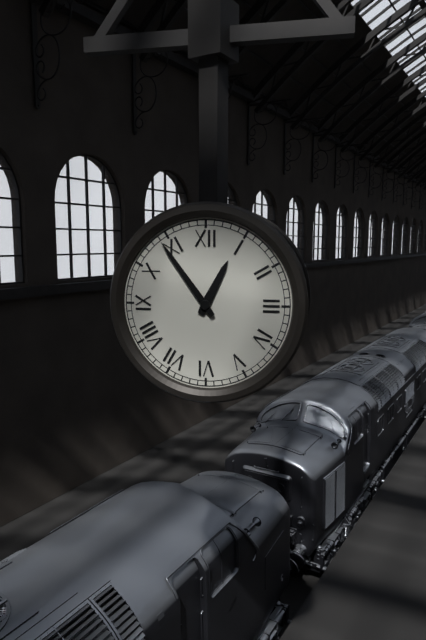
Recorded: h=12 m=54
